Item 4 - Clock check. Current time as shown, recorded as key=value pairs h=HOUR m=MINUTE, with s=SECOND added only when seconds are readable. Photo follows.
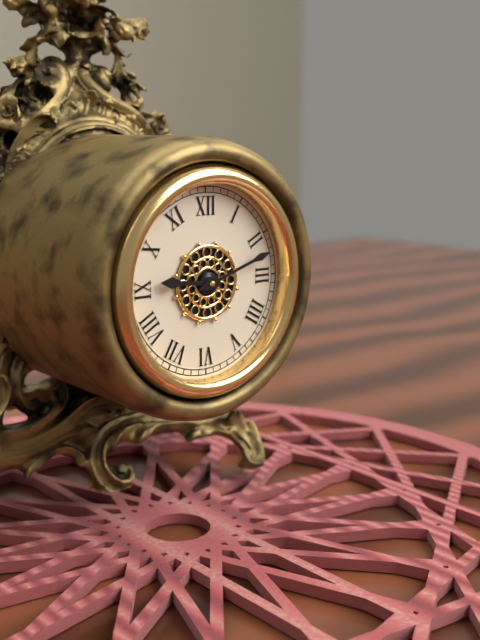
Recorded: h=9 m=12
